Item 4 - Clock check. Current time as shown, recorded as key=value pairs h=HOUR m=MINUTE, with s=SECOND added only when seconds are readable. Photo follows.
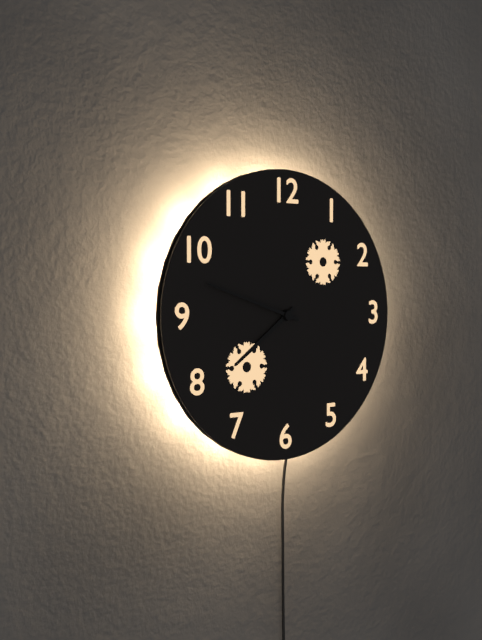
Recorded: h=7 m=48
